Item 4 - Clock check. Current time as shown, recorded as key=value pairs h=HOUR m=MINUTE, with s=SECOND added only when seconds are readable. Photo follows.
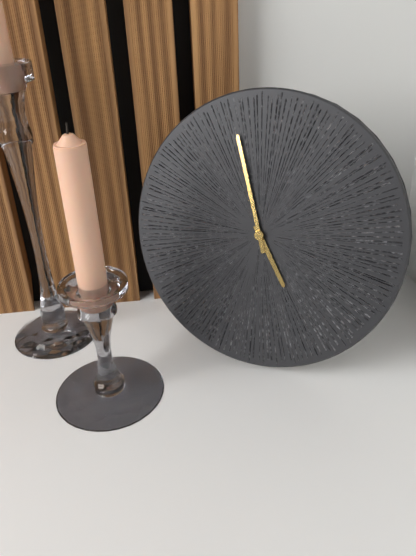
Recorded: h=4 m=57
